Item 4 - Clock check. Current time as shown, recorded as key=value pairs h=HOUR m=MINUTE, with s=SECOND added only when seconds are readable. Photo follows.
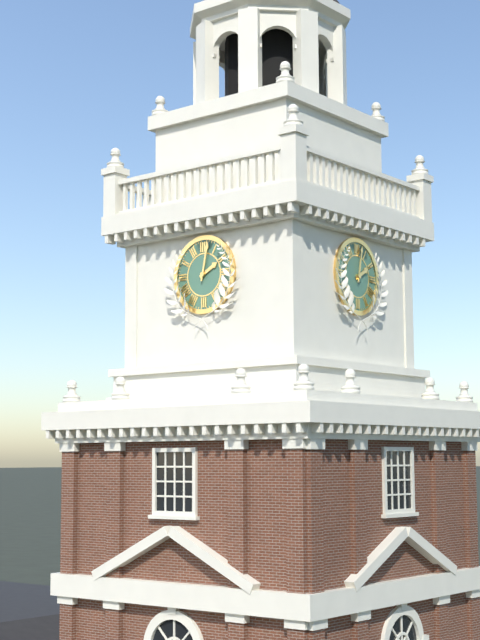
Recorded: h=2 m=2
